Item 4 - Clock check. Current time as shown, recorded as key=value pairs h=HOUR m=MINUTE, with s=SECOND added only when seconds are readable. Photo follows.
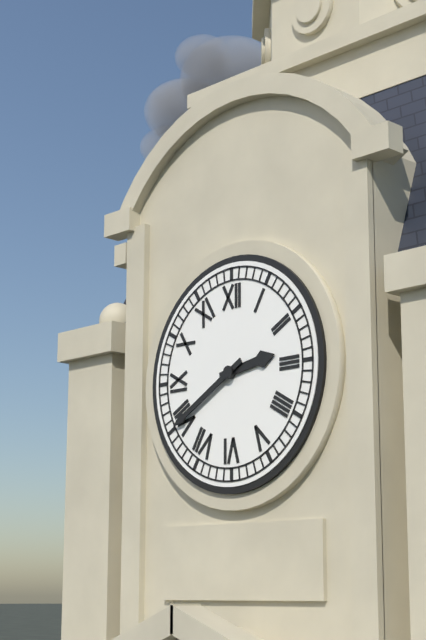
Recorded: h=2 m=40
